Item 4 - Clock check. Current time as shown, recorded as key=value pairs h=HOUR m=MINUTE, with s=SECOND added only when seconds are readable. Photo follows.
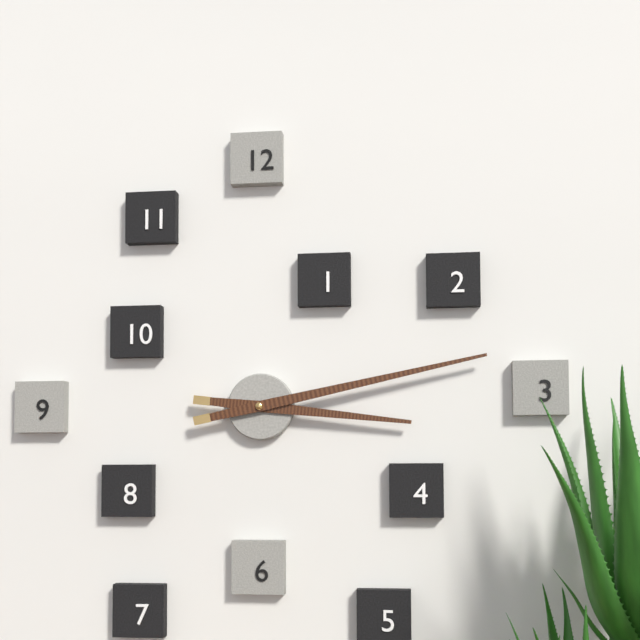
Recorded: h=3 m=13
